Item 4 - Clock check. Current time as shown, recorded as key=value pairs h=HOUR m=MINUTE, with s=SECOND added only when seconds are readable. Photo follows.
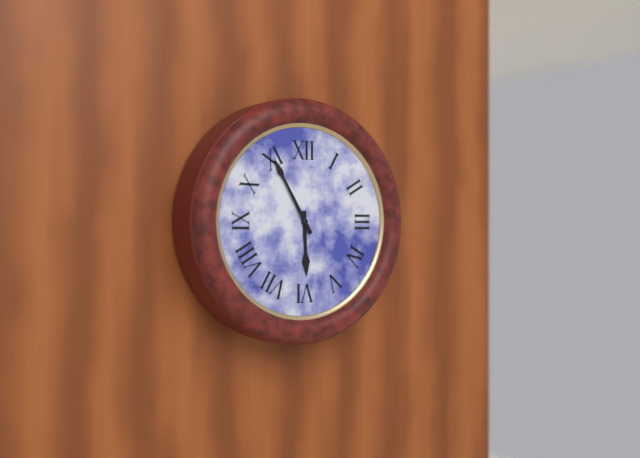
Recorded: h=5 m=55
